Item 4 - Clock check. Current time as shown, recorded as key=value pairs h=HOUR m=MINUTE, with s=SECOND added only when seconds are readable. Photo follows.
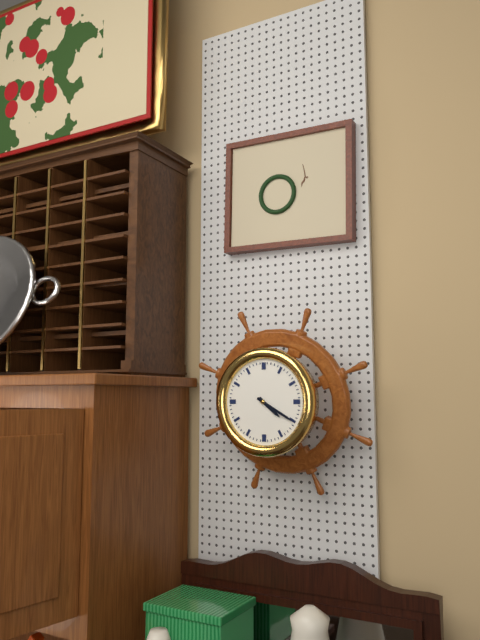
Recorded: h=4 m=20
